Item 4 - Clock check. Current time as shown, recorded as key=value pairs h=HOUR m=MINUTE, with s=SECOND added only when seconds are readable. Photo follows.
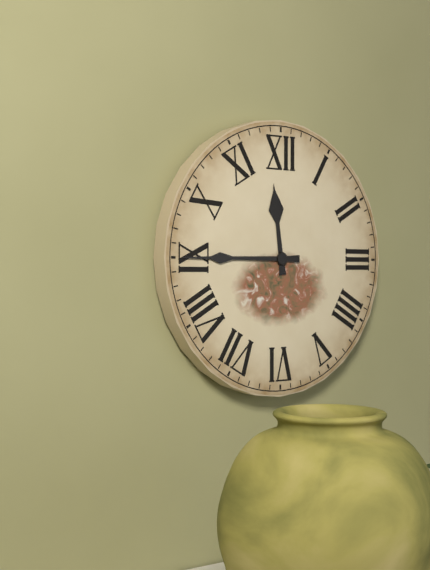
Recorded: h=11 m=45
